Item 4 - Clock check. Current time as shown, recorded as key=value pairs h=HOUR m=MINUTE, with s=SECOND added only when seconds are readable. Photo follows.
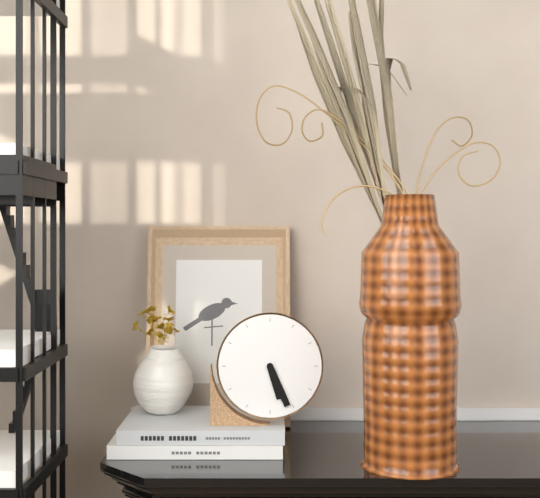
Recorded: h=5 m=26
